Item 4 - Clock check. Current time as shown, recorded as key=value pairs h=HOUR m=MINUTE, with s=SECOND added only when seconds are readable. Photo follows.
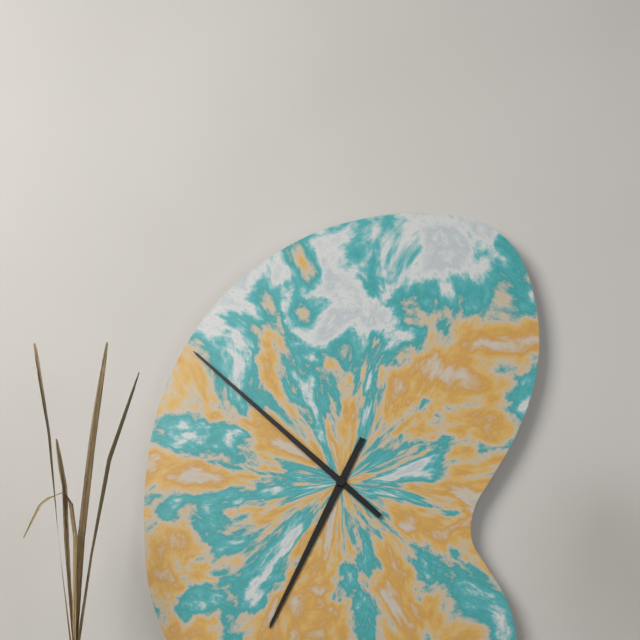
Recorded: h=6 m=52
